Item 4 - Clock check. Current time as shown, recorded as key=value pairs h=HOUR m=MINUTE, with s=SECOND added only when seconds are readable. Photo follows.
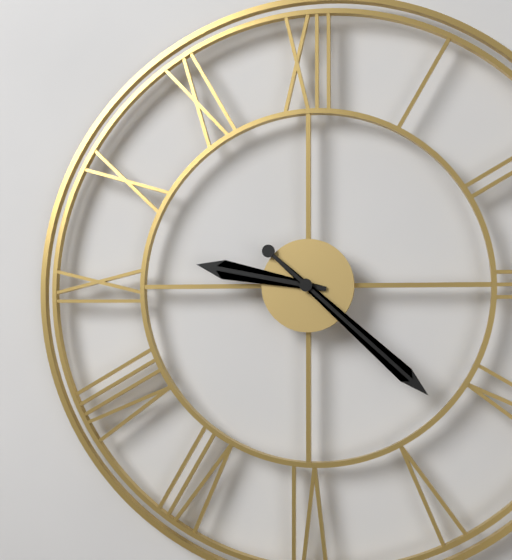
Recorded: h=9 m=22
